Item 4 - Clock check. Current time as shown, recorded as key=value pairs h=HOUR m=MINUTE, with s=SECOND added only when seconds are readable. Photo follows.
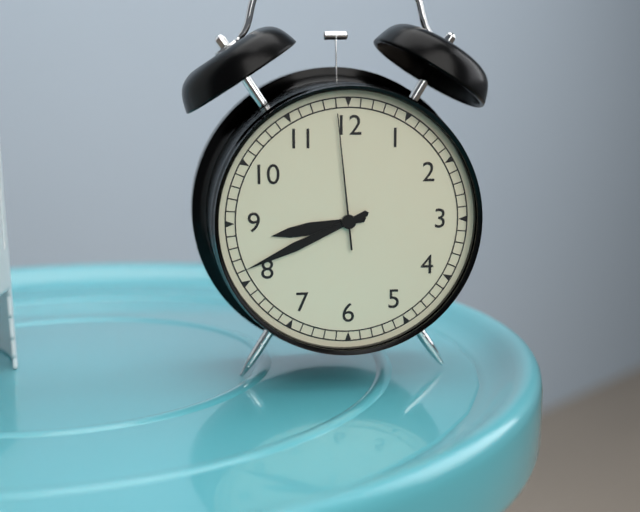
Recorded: h=8 m=41 s=59
